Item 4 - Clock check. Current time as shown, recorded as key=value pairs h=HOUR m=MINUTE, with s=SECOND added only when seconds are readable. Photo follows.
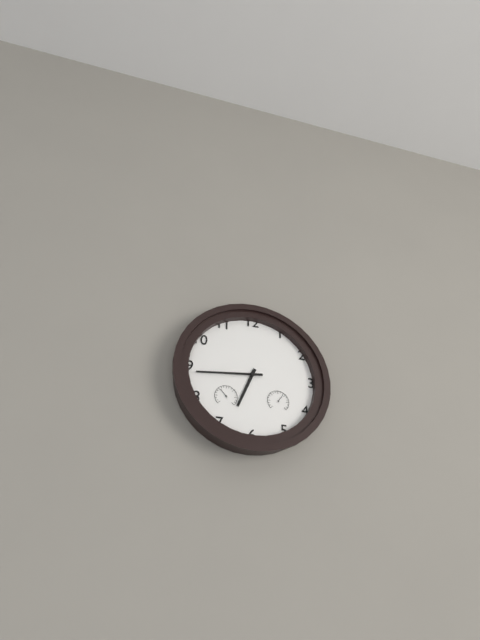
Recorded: h=6 m=44
